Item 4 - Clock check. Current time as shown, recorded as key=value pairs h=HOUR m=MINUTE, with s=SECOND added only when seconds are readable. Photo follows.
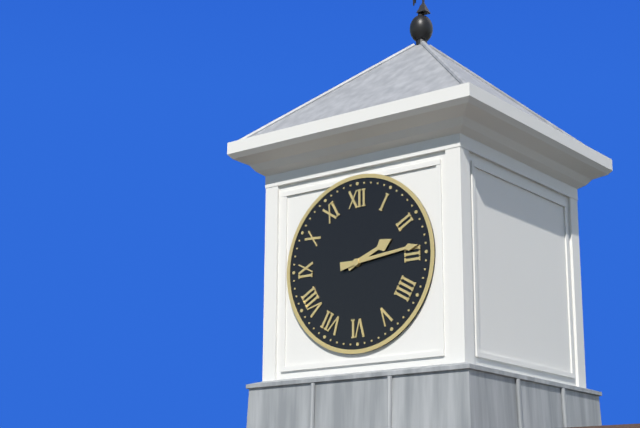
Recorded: h=2 m=14
